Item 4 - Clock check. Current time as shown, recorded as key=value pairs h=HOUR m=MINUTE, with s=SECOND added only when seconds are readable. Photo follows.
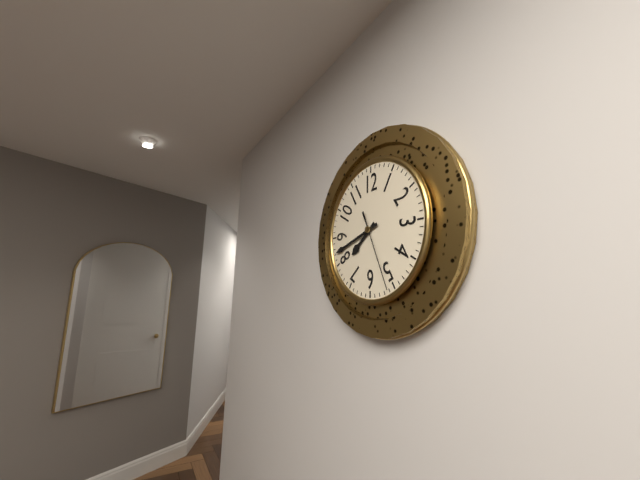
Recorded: h=7 m=42 s=26
